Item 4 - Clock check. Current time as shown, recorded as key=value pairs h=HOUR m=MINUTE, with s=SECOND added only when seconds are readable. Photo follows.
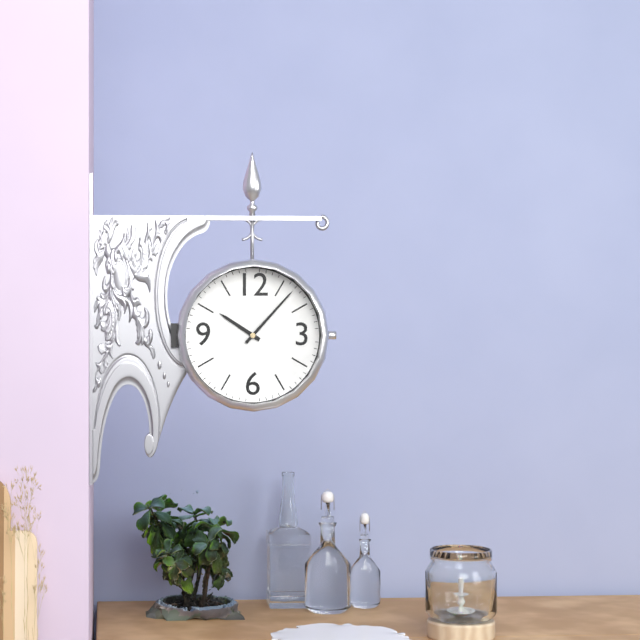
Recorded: h=10 m=7
